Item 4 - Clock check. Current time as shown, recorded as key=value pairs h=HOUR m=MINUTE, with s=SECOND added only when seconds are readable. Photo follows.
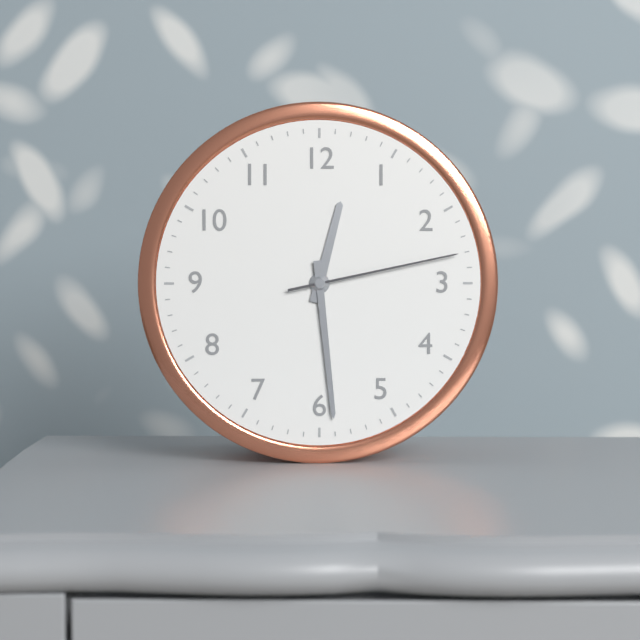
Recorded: h=12 m=29 s=13
